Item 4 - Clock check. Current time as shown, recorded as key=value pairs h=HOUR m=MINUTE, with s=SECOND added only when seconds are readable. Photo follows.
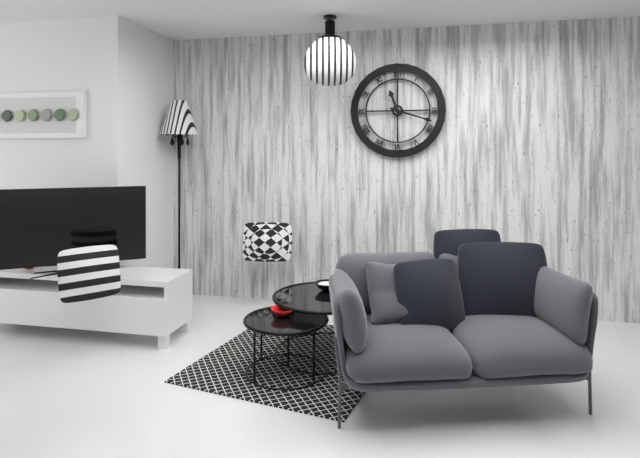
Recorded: h=11 m=18
